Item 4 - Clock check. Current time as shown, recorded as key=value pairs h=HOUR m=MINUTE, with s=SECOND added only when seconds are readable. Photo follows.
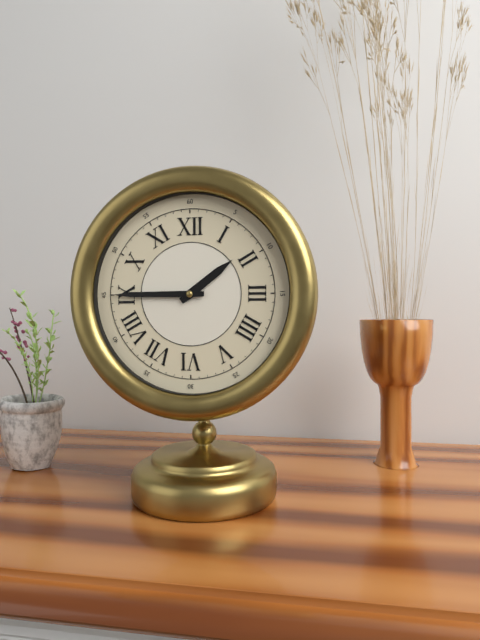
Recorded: h=1 m=45
